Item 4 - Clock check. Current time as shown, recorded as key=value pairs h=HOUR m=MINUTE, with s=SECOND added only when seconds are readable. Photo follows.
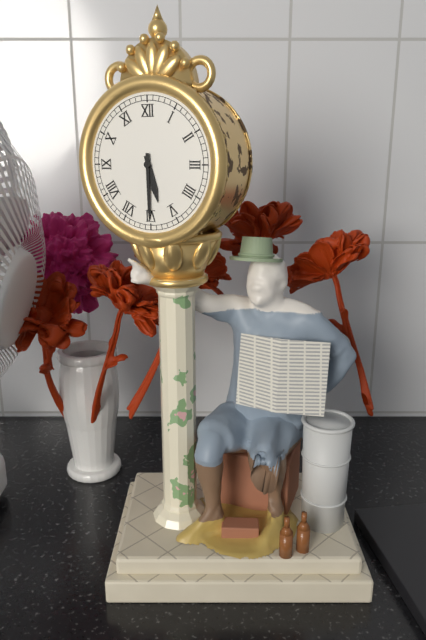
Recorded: h=5 m=30
